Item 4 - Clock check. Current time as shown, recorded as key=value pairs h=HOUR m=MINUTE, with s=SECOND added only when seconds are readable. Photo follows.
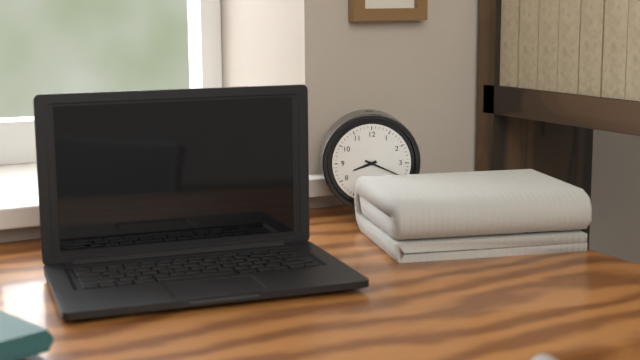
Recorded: h=8 m=19
